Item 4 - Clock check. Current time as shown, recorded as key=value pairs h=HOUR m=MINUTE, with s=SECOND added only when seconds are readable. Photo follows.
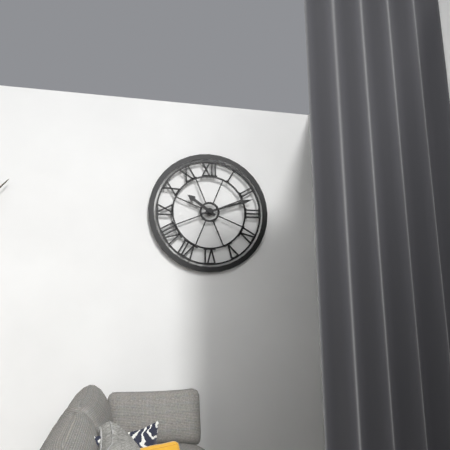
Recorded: h=10 m=12
